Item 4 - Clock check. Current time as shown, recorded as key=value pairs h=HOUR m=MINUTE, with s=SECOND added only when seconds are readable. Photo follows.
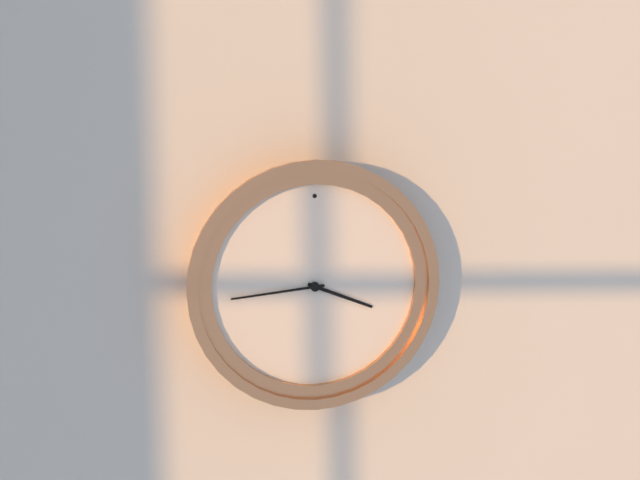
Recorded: h=3 m=44
